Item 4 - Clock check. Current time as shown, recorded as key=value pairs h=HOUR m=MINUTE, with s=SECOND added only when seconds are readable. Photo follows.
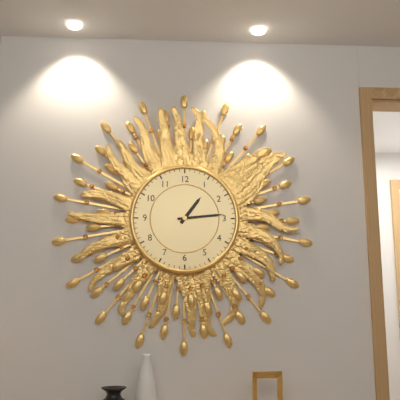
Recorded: h=1 m=14
